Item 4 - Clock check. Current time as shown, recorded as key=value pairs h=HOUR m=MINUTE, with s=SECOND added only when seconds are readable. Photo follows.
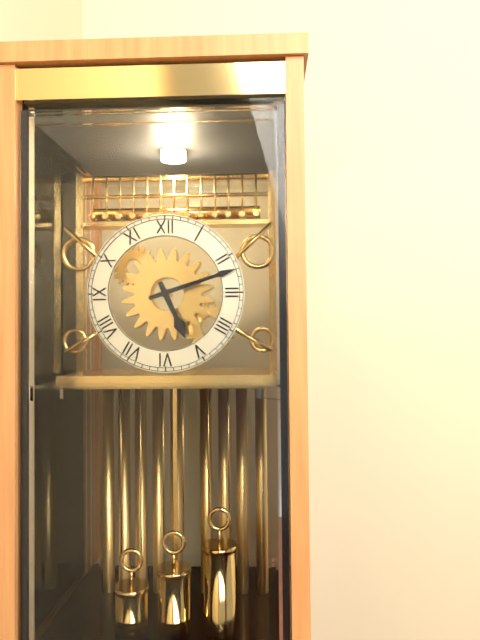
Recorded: h=5 m=12
